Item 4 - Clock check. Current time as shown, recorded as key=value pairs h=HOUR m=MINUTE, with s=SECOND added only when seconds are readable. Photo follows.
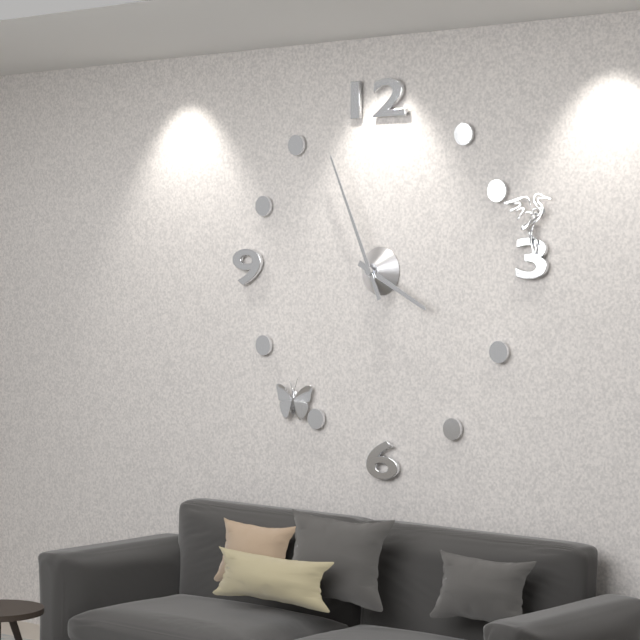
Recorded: h=3 m=56
